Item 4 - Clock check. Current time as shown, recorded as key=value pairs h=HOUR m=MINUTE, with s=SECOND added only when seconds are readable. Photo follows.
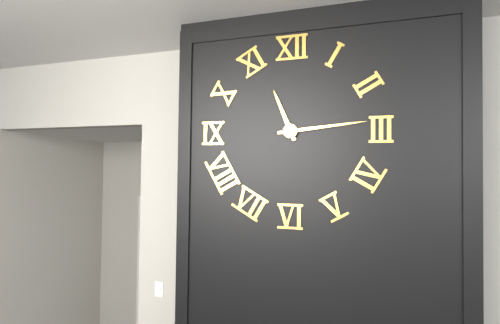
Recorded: h=11 m=14
